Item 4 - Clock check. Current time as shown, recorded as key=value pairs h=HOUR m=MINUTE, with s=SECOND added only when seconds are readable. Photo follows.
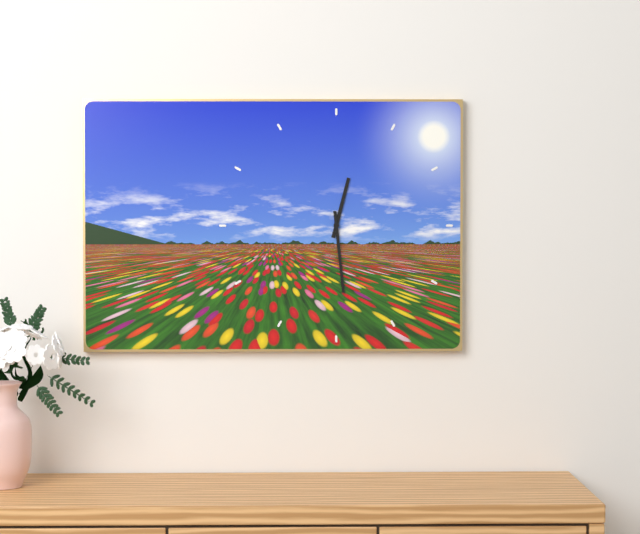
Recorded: h=12 m=29
